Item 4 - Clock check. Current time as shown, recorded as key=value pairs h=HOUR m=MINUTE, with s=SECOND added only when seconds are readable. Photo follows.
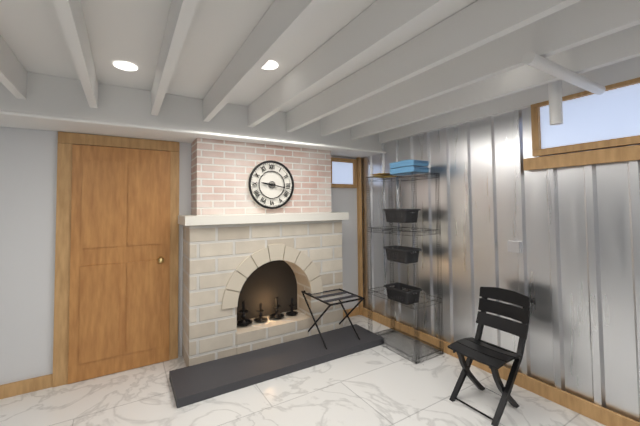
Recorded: h=9 m=17
